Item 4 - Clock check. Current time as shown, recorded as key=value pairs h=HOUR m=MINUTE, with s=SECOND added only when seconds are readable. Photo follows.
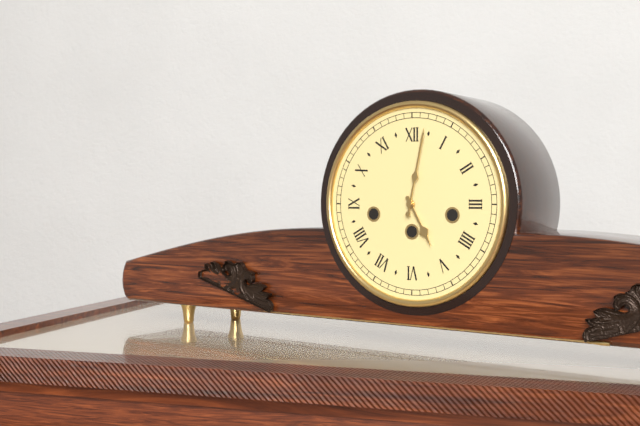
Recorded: h=5 m=2
